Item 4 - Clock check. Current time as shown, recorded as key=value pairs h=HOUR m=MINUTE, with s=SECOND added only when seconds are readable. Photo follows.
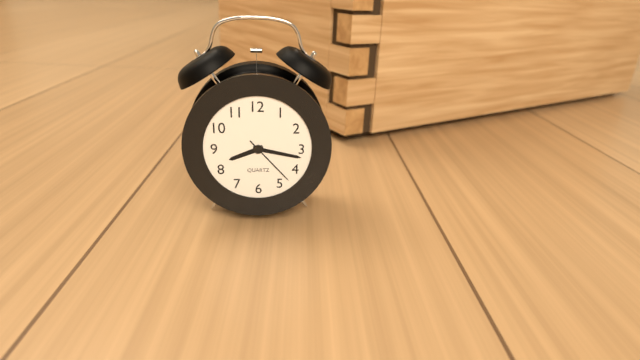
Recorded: h=8 m=17 s=23
